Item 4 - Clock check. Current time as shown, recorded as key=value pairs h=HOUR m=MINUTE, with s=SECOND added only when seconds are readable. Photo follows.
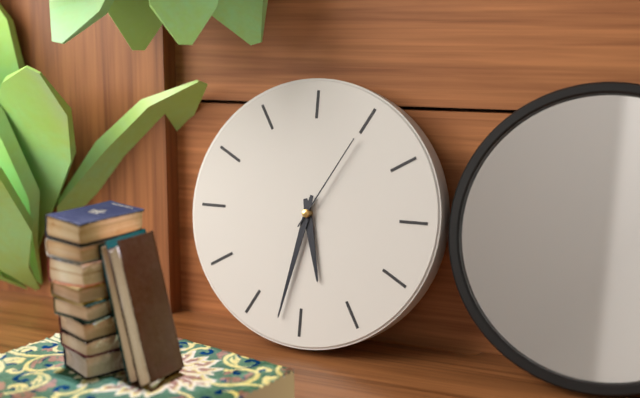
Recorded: h=5 m=32 s=5
